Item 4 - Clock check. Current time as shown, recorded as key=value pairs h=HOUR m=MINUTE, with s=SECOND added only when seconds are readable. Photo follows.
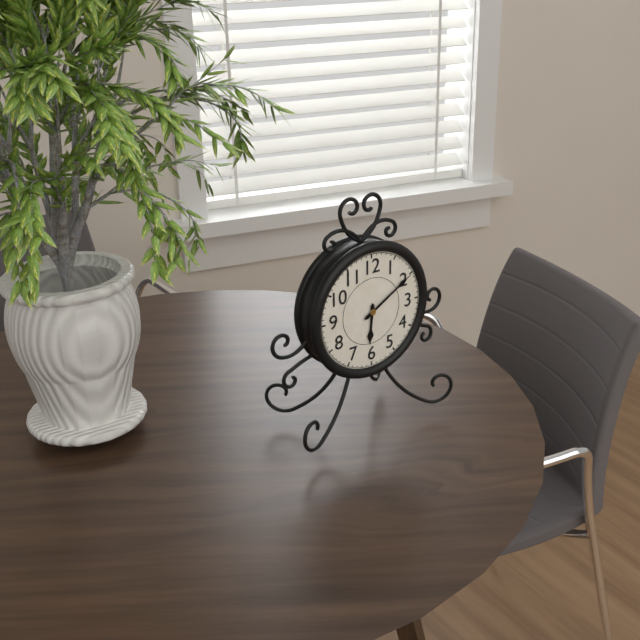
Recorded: h=6 m=10
